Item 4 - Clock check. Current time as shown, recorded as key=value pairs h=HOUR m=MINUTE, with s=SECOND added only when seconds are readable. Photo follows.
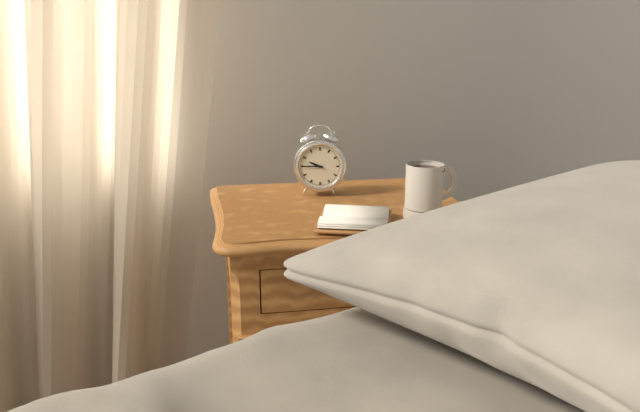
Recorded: h=9 m=45
